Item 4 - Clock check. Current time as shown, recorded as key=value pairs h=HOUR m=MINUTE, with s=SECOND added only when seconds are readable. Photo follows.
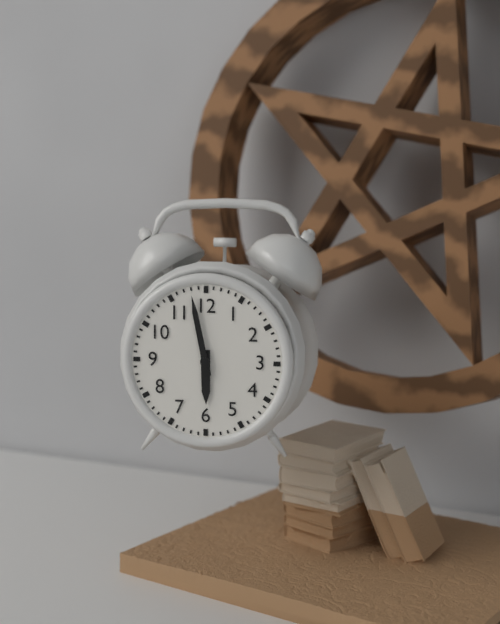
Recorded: h=5 m=58
